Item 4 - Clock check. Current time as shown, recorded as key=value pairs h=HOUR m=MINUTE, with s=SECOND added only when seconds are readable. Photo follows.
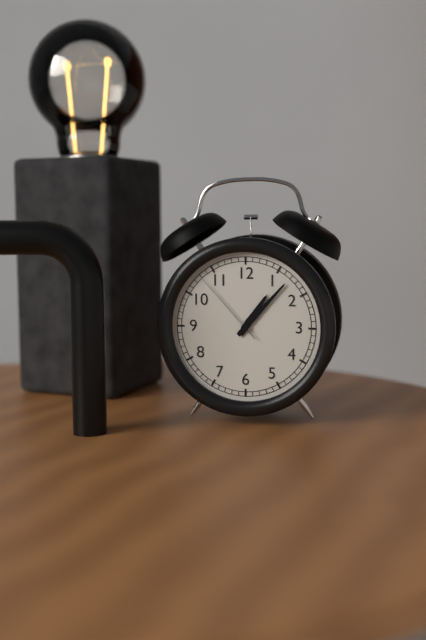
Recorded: h=1 m=7 s=53
